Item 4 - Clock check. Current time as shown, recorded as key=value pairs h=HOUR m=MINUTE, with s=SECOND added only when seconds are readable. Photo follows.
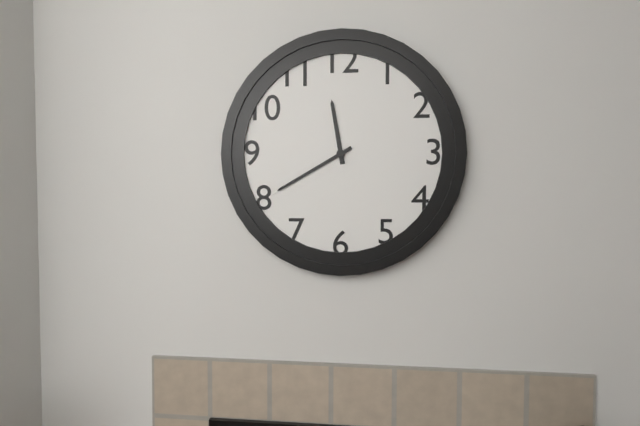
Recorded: h=11 m=40
